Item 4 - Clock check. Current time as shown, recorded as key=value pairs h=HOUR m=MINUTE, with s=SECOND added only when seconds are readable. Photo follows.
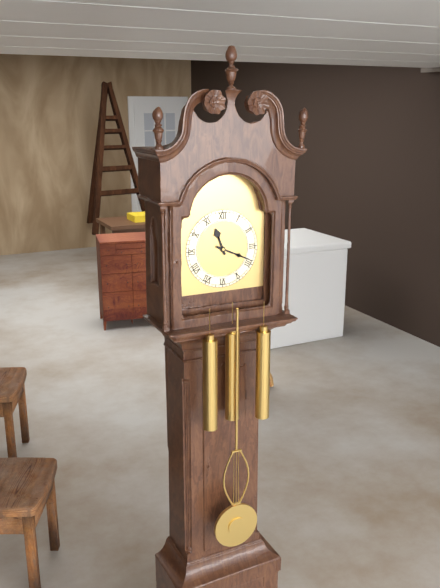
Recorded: h=11 m=19
